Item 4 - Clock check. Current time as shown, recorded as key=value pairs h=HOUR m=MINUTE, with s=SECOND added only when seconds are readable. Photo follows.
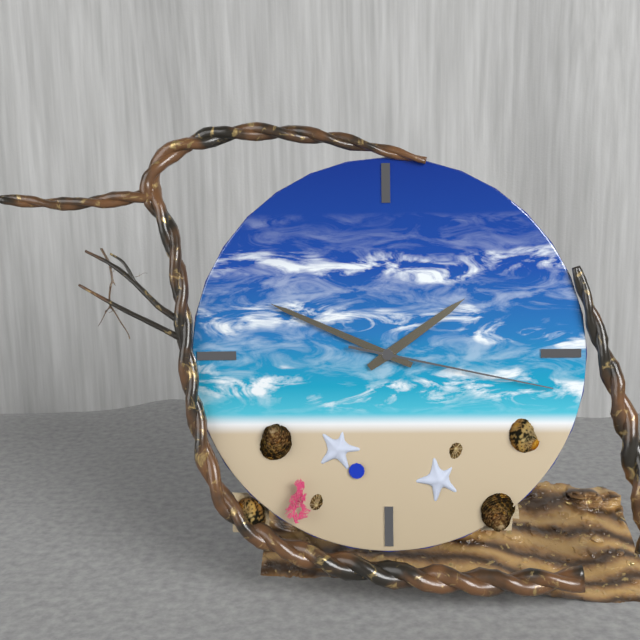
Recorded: h=1 m=49 s=17
